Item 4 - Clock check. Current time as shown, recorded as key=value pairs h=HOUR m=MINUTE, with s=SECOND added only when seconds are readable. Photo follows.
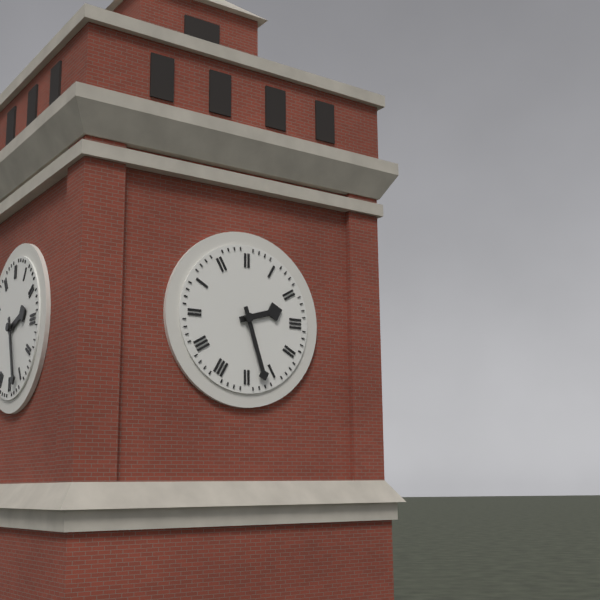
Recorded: h=2 m=27
